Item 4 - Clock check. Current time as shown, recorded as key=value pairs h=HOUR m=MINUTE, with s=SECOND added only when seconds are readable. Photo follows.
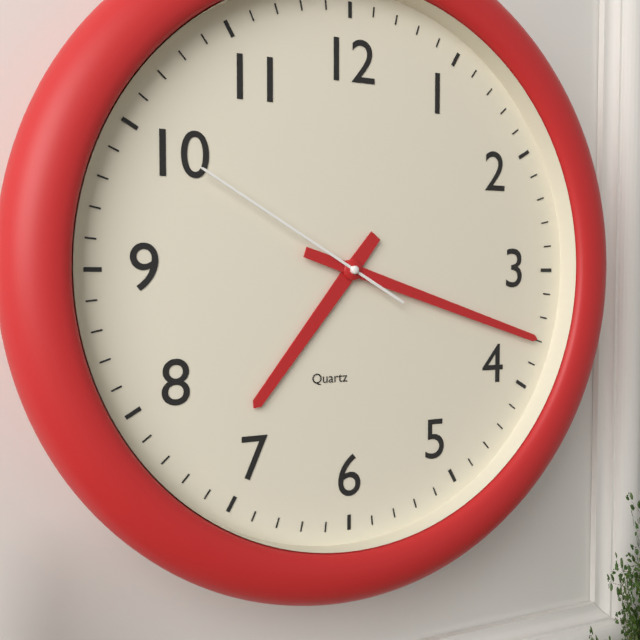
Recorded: h=7 m=18 s=50
